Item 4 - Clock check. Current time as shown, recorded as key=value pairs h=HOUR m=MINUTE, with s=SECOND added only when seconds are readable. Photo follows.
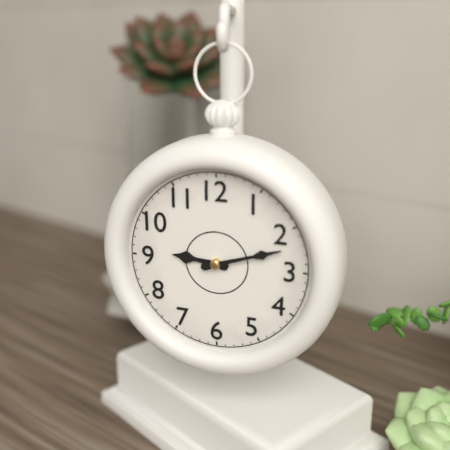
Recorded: h=9 m=12
